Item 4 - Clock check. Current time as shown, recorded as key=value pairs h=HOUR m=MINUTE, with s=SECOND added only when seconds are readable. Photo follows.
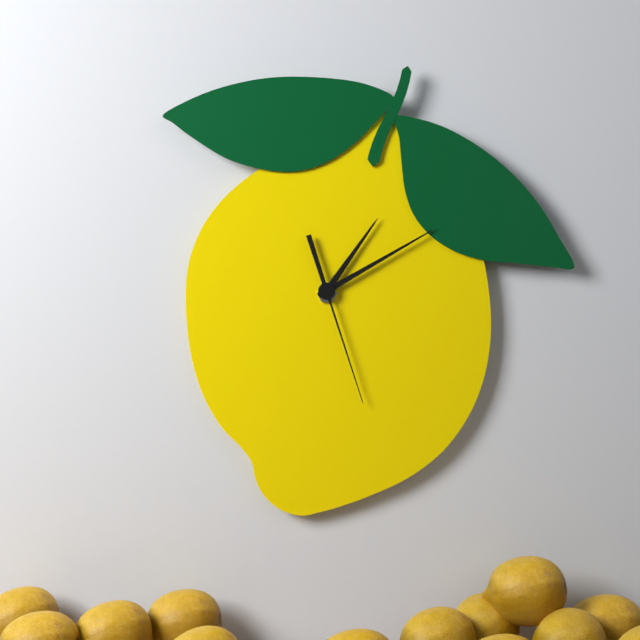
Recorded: h=1 m=10 s=27
